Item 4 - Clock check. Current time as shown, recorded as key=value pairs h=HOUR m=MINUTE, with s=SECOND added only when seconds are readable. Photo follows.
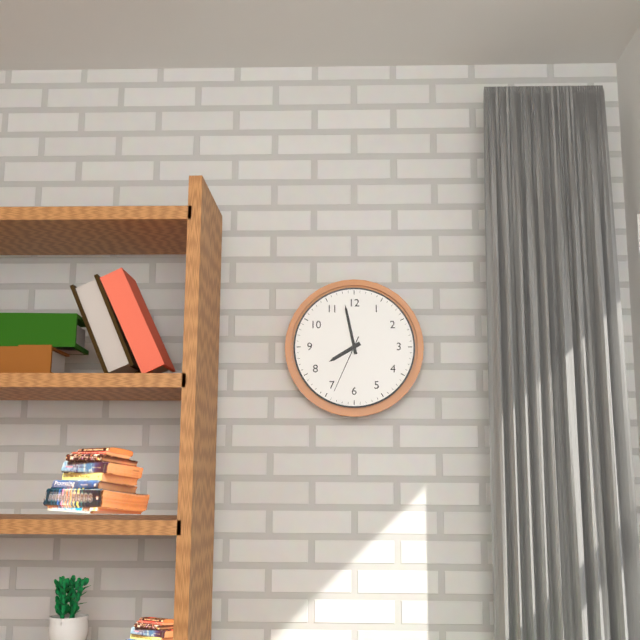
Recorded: h=7 m=58 s=34
